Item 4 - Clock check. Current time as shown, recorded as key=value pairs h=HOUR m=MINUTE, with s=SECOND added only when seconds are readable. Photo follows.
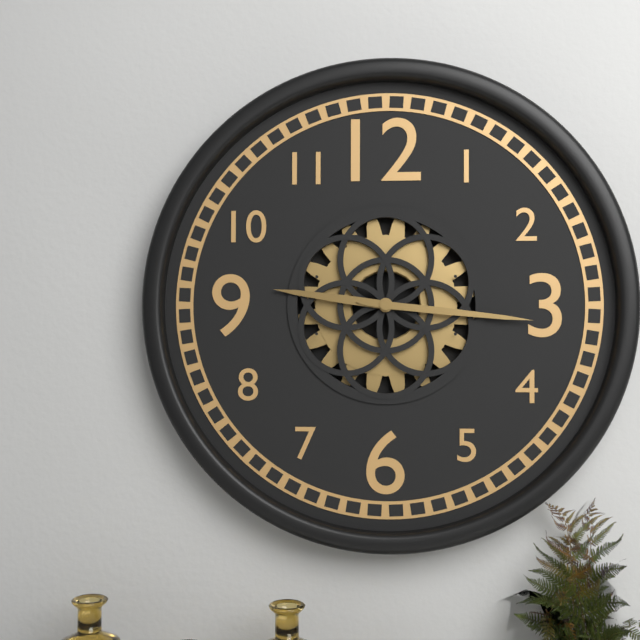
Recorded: h=9 m=16
